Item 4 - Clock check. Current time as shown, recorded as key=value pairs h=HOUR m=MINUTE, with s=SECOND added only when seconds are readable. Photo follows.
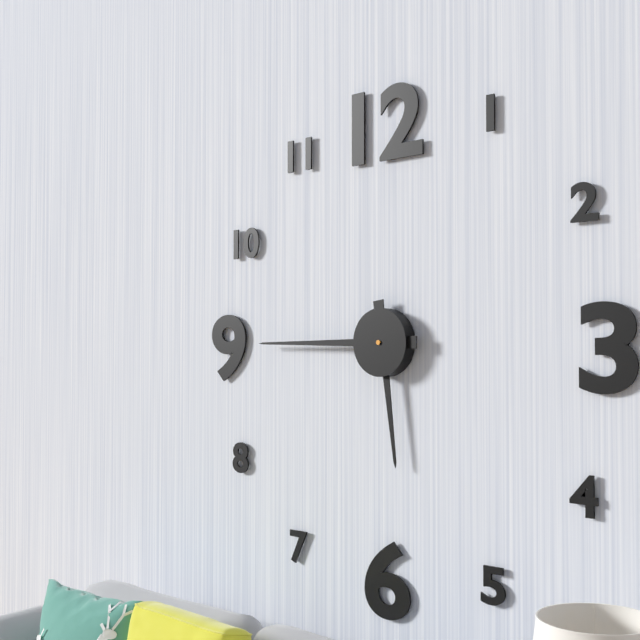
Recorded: h=5 m=45
